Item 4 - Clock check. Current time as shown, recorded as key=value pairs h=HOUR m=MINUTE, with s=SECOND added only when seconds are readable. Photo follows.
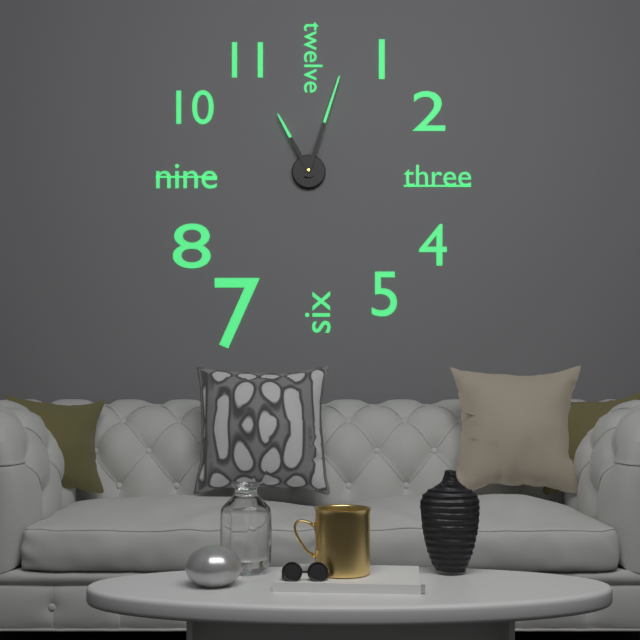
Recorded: h=11 m=3
